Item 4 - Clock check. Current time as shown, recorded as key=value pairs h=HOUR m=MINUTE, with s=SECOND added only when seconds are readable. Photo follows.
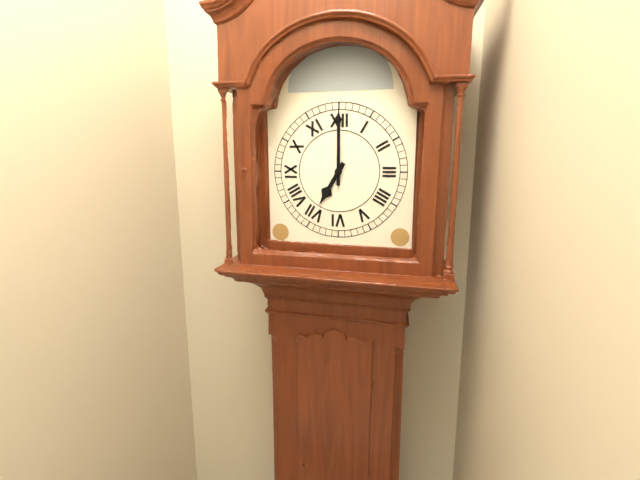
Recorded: h=7 m=0
